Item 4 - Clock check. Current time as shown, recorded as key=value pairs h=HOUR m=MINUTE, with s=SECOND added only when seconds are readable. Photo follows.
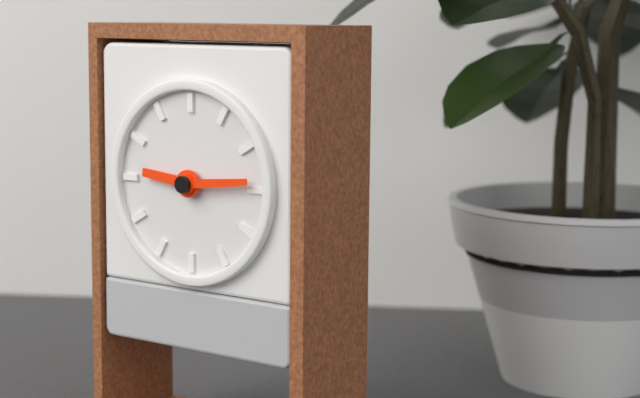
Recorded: h=9 m=14
